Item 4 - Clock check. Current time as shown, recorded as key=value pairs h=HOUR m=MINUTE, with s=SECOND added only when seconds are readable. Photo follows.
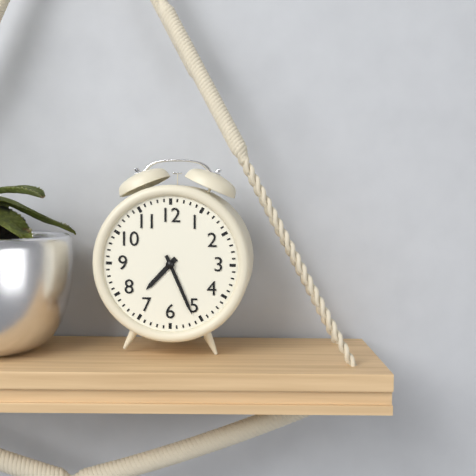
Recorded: h=7 m=26
